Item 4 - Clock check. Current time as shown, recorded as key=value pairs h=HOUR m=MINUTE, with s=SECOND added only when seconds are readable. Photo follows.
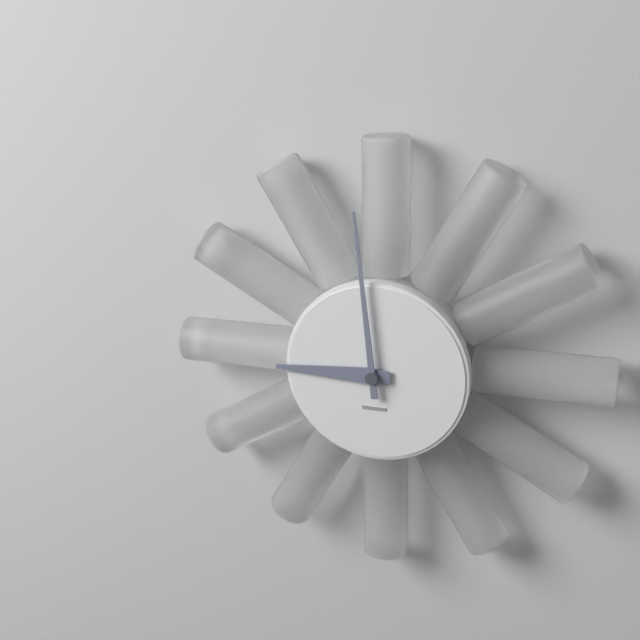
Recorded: h=8 m=59
